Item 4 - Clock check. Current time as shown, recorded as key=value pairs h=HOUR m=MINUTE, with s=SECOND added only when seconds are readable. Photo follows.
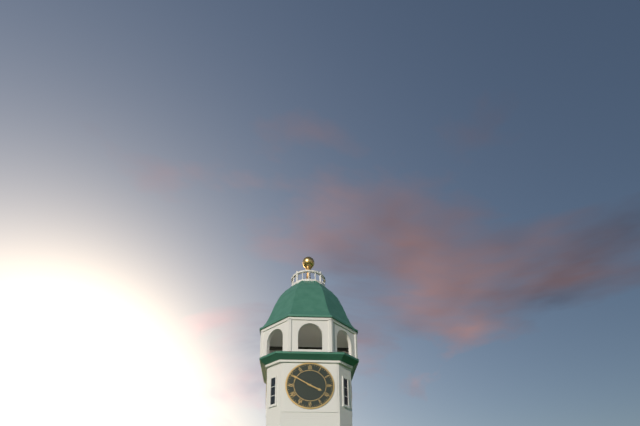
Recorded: h=3 m=50
